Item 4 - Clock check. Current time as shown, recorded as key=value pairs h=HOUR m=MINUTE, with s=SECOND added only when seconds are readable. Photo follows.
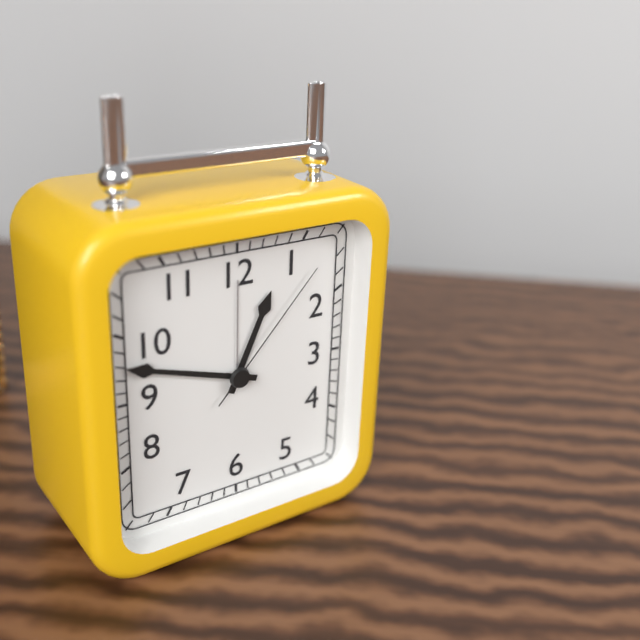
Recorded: h=12 m=48 s=7
